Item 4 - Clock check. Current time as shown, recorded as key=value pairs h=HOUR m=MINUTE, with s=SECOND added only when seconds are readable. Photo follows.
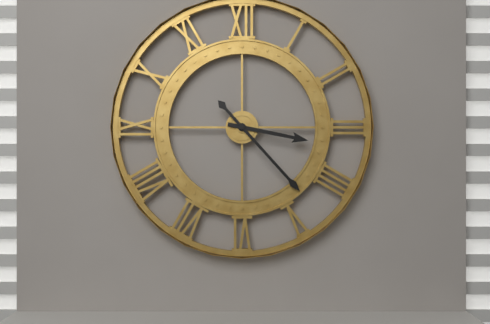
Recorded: h=3 m=23
